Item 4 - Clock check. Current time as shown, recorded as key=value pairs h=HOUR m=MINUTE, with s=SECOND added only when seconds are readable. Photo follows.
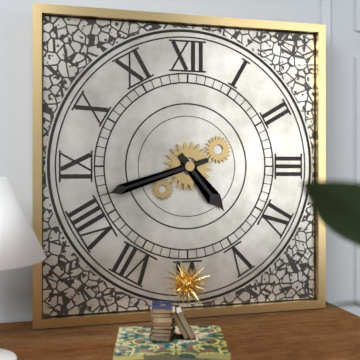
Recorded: h=4 m=42
